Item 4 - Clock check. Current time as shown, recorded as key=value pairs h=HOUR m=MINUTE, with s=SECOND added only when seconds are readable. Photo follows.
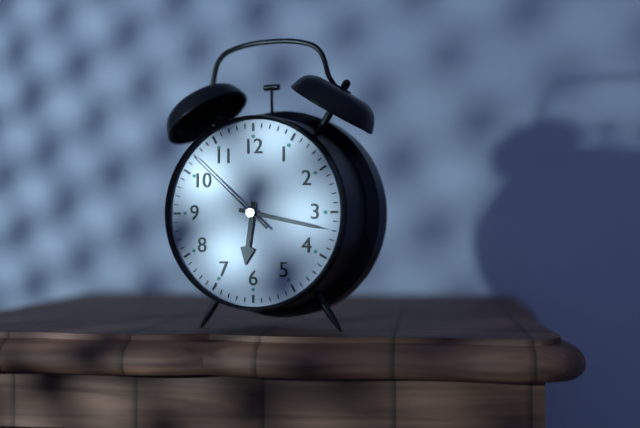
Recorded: h=6 m=17 s=52
